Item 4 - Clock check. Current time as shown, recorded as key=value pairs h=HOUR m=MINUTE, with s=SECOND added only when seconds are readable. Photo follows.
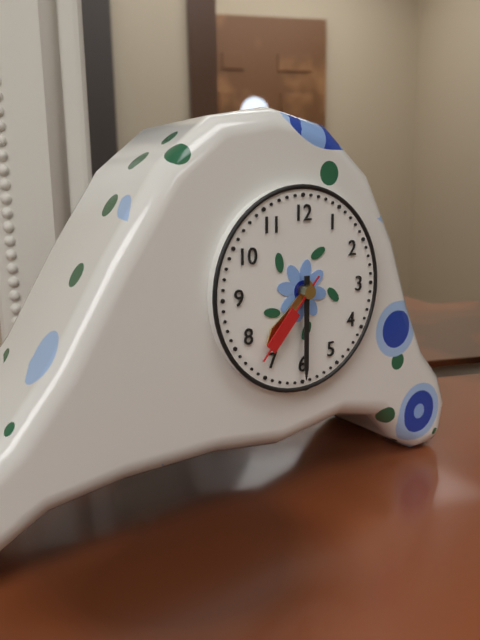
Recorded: h=7 m=30 s=37
